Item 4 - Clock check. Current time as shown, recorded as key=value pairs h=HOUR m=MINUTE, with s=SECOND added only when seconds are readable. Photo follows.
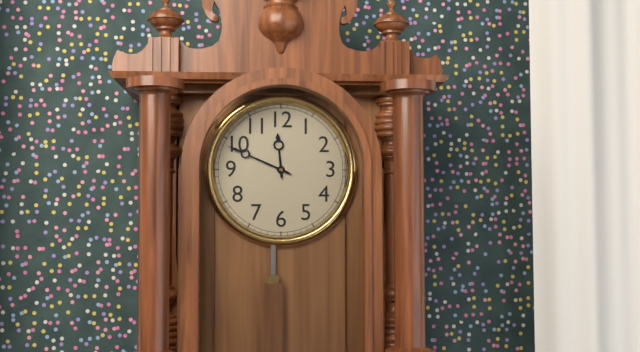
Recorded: h=11 m=49
